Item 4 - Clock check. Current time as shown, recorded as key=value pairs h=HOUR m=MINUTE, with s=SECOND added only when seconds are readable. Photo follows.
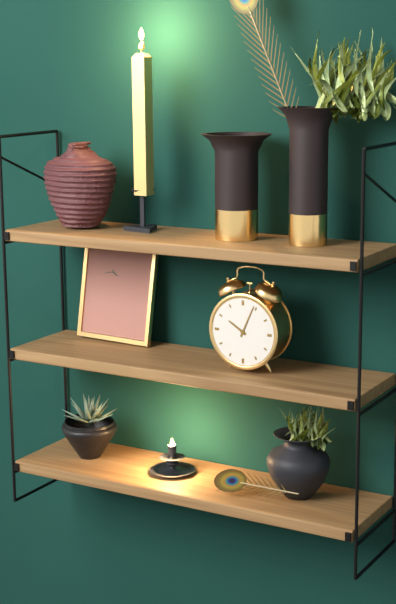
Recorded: h=10 m=4
